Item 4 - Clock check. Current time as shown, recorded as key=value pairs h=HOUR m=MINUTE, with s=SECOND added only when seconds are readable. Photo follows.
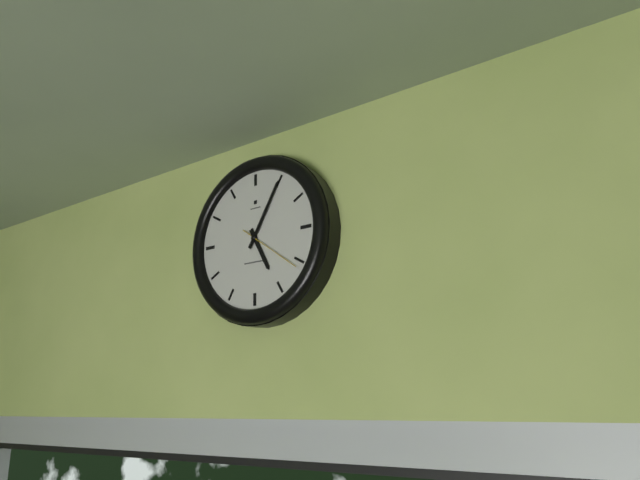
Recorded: h=5 m=5
